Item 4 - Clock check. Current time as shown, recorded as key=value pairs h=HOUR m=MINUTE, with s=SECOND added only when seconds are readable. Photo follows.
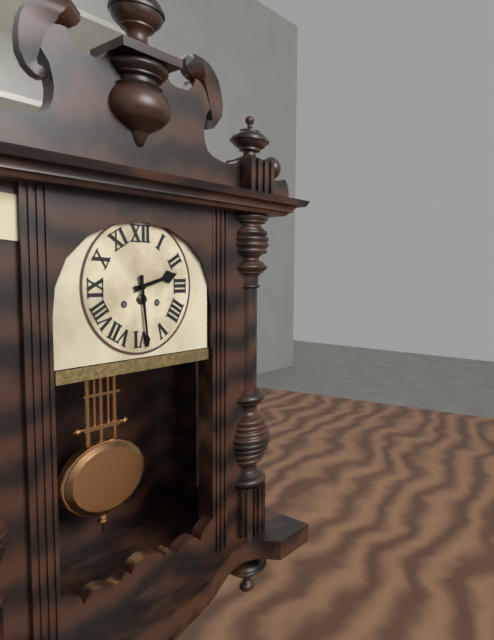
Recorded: h=2 m=29
